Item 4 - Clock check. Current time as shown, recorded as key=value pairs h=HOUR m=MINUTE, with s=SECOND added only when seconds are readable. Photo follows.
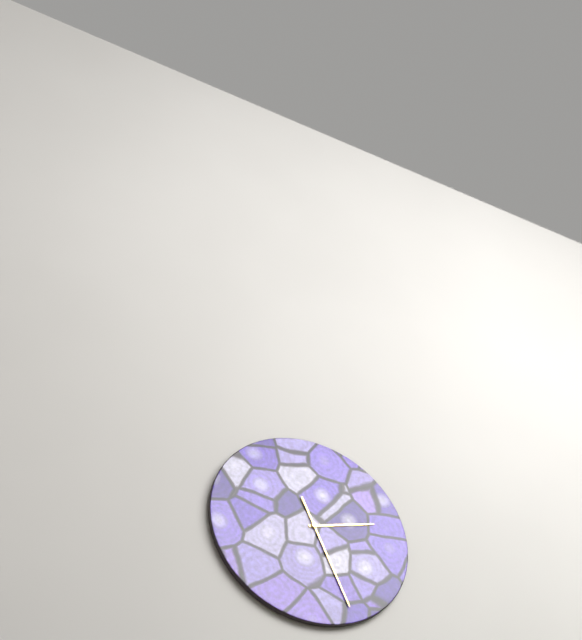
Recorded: h=2 m=26
